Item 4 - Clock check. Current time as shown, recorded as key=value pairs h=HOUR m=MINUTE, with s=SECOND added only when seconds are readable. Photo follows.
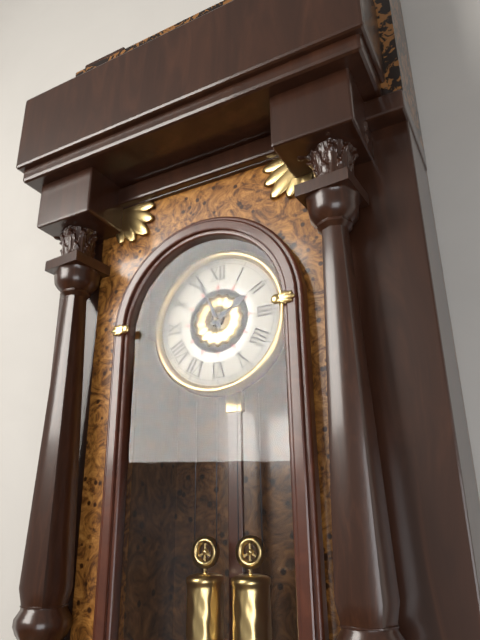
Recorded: h=1 m=56
